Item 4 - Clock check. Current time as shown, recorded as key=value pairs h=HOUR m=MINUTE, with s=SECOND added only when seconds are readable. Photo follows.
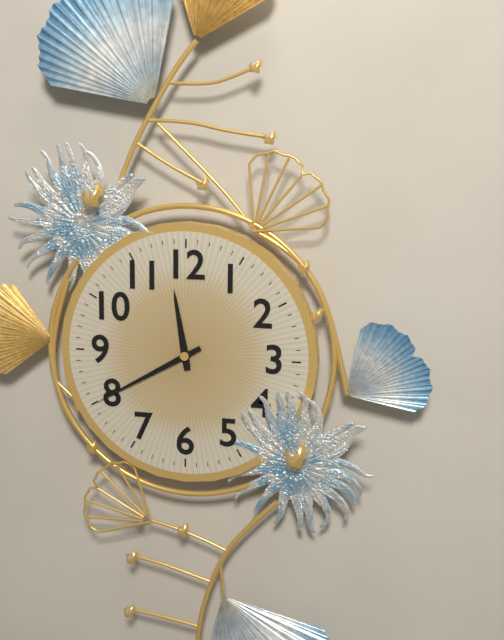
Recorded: h=11 m=40
